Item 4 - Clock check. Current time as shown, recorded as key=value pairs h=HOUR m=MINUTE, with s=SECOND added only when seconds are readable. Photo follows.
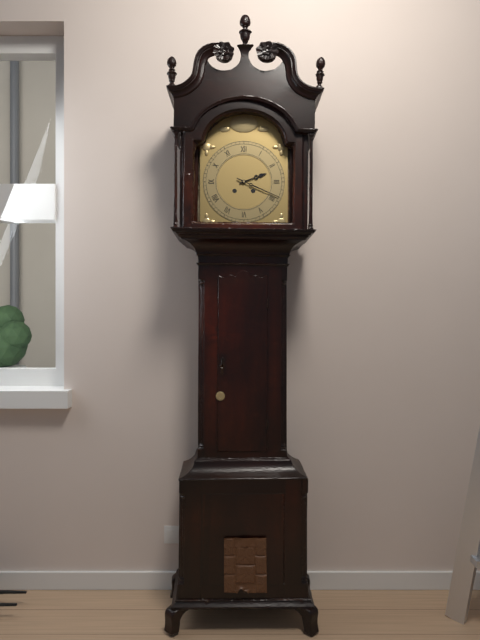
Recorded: h=2 m=19
